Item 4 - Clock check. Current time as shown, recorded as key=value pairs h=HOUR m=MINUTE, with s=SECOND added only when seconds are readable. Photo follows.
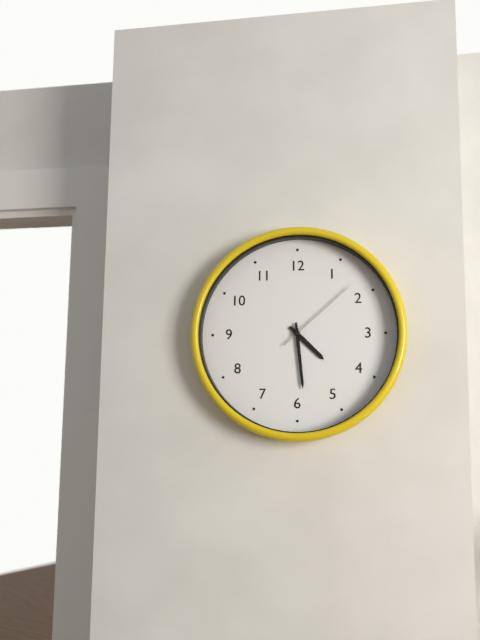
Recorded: h=4 m=29 s=8
